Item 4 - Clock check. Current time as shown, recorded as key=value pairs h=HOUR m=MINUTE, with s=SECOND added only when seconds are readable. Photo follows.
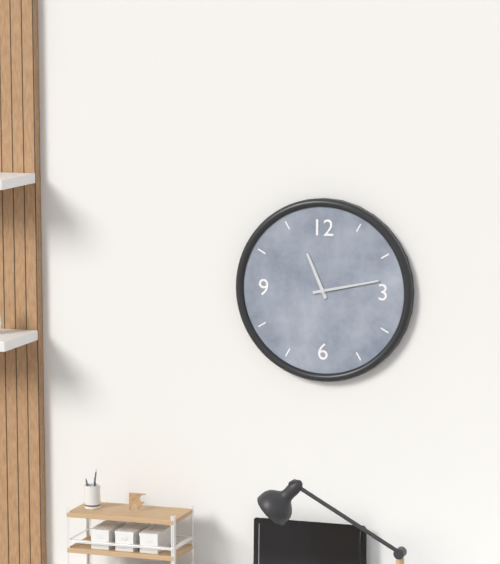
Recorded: h=11 m=13
